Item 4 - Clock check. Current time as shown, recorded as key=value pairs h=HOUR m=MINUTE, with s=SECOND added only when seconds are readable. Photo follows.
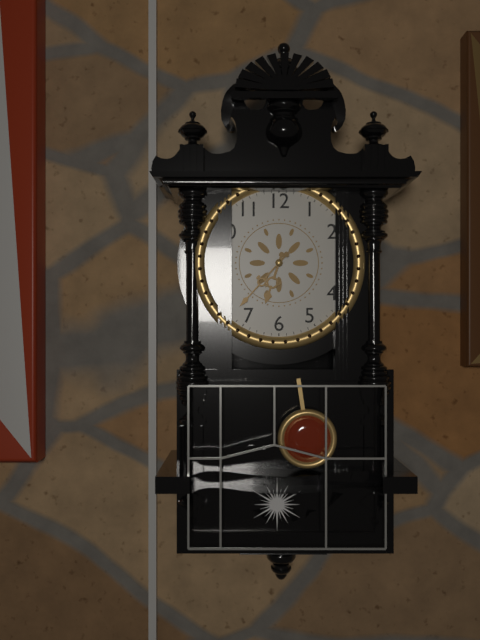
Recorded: h=6 m=37
